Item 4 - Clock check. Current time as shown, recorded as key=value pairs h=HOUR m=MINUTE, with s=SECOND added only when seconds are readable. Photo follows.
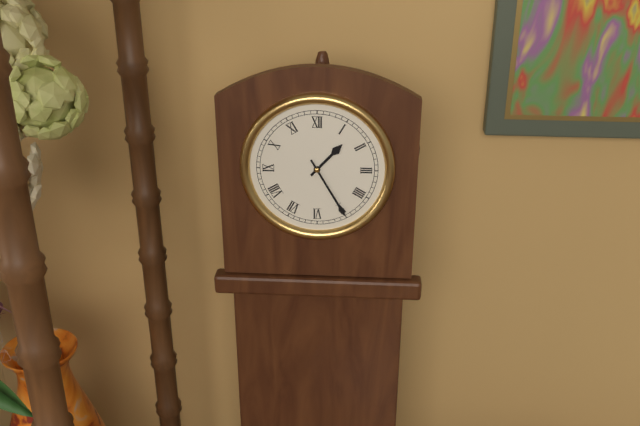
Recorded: h=1 m=25
